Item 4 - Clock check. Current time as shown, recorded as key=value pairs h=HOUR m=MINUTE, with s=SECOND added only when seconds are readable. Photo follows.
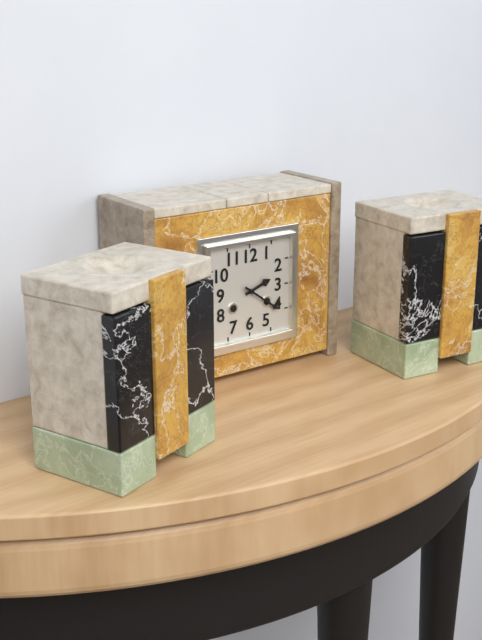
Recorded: h=2 m=21
